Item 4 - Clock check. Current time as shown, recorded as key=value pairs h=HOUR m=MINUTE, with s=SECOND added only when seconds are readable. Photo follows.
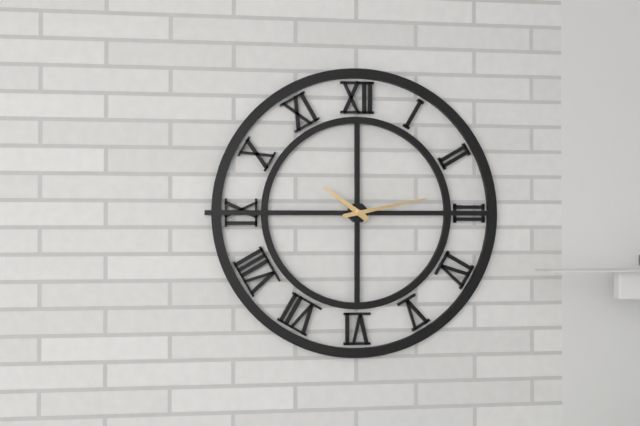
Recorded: h=10 m=13
